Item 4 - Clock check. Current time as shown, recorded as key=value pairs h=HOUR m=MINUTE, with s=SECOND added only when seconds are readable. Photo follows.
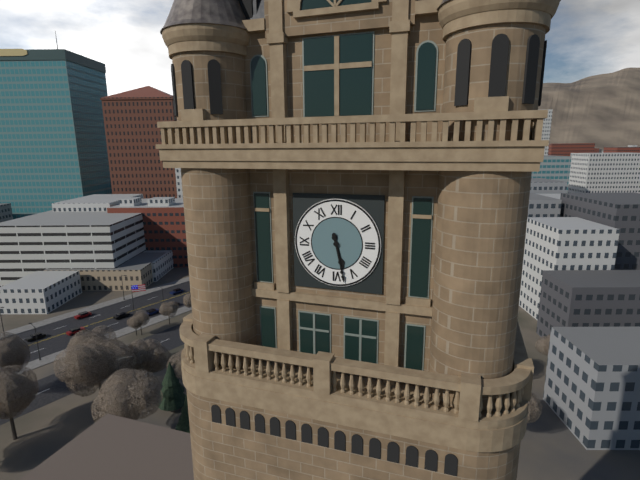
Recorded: h=5 m=28
